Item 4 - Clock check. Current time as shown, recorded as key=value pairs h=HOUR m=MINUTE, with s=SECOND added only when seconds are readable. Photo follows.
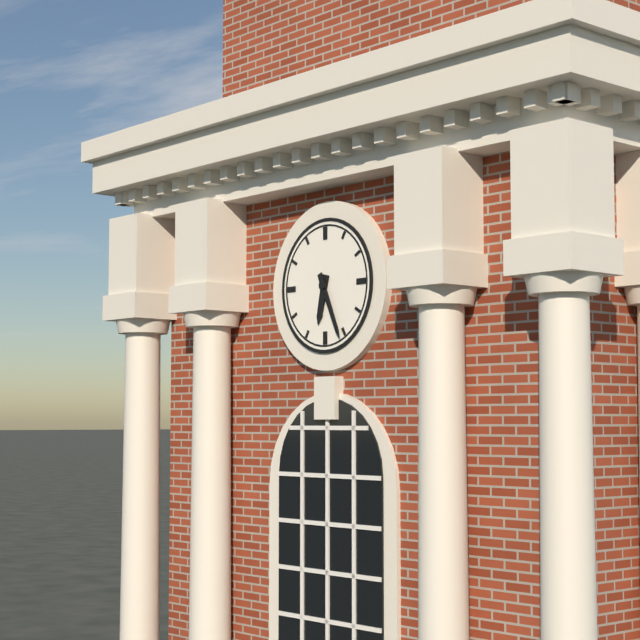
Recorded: h=6 m=26
